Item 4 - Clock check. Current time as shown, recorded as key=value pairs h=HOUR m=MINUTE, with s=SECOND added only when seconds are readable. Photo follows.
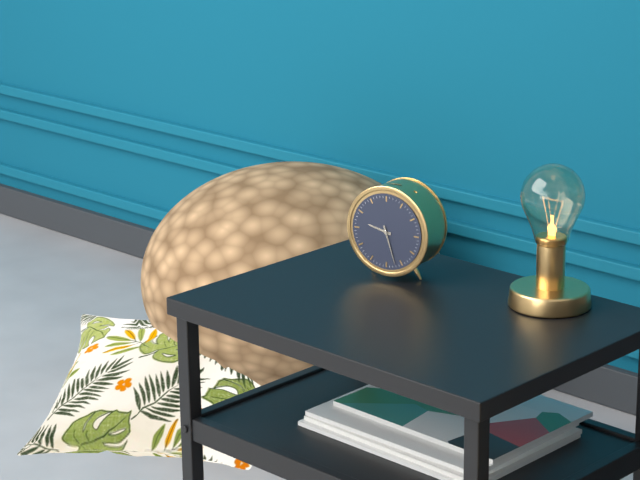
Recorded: h=9 m=27
